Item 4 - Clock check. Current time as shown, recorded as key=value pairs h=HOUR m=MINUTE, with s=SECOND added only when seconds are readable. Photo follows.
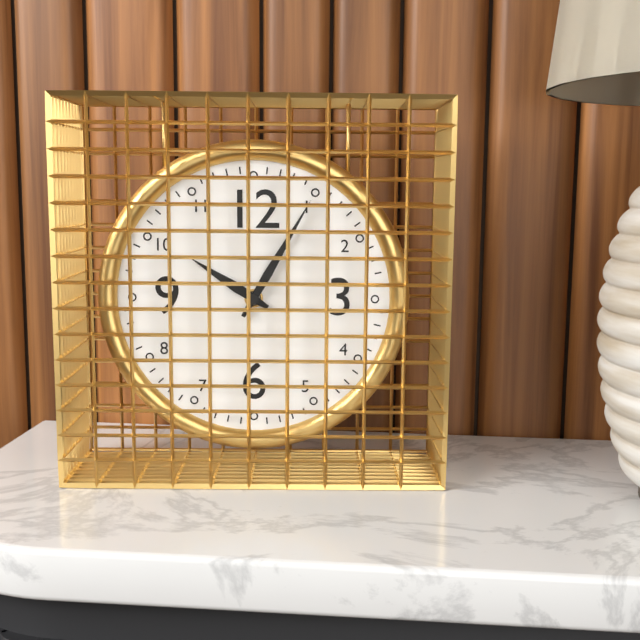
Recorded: h=10 m=5
